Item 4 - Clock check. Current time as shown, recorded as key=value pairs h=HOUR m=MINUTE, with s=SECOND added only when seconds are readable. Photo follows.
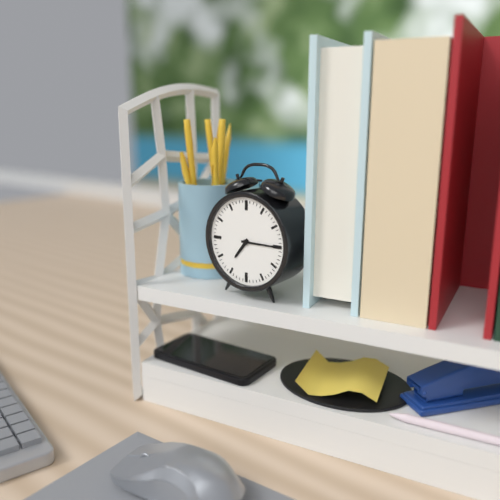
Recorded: h=7 m=15
